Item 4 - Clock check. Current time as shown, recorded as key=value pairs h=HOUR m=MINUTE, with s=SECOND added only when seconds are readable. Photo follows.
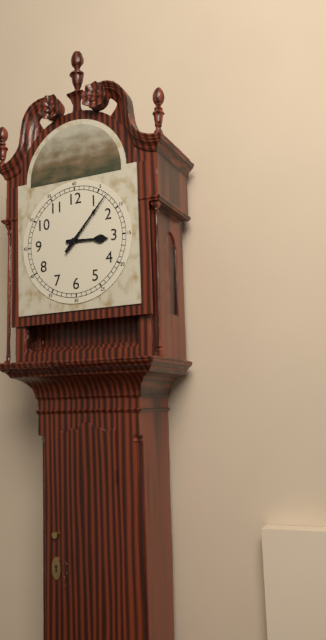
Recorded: h=3 m=7
